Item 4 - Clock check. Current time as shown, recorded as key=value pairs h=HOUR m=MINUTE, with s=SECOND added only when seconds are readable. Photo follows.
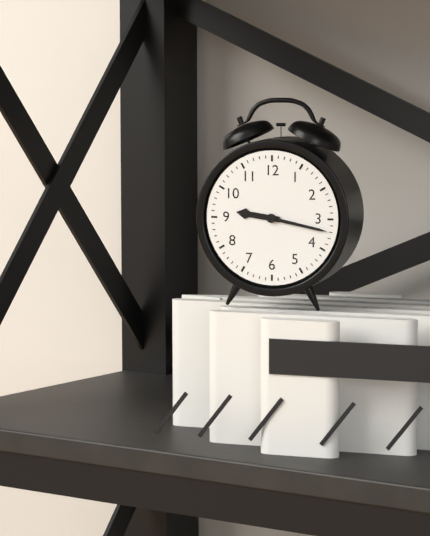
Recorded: h=9 m=17
